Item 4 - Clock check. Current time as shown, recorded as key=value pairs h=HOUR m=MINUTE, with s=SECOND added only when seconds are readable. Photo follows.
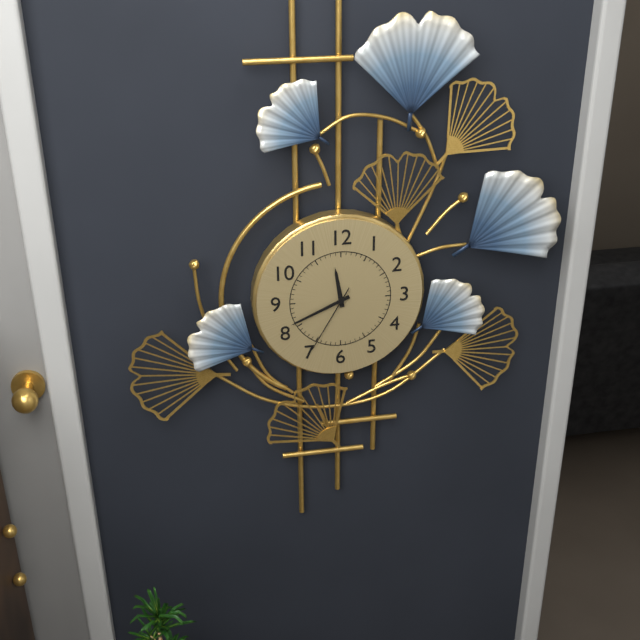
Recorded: h=11 m=41 s=35
